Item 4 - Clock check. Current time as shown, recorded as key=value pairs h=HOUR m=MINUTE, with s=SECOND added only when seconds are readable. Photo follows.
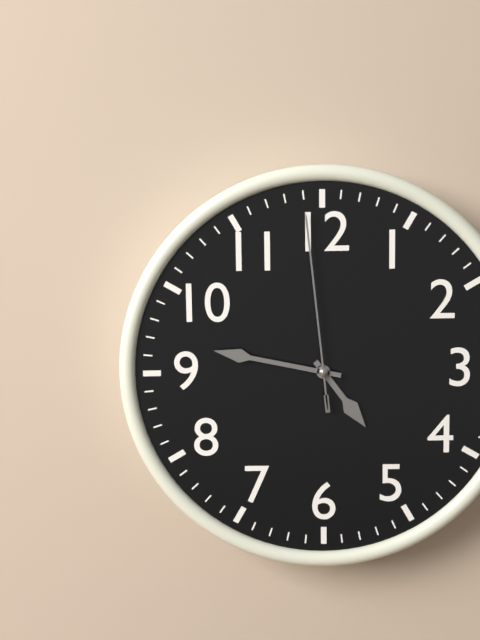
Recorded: h=4 m=47 s=59
